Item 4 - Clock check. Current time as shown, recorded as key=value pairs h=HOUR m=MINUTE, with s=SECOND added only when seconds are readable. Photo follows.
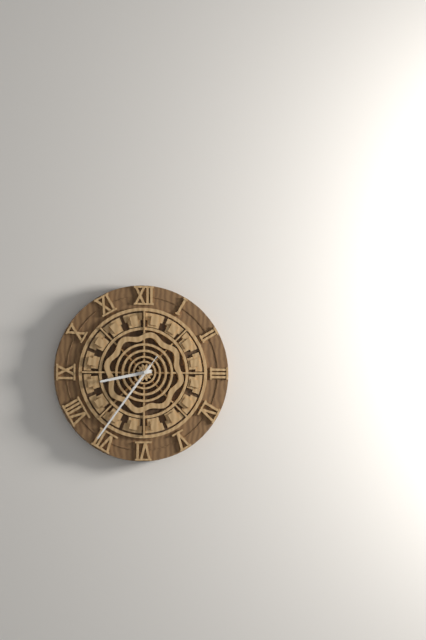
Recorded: h=8 m=36 s=36
